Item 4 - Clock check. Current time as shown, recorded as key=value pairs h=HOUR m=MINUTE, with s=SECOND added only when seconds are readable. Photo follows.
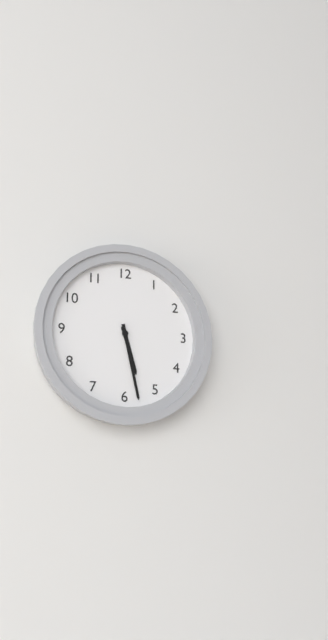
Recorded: h=5 m=28
